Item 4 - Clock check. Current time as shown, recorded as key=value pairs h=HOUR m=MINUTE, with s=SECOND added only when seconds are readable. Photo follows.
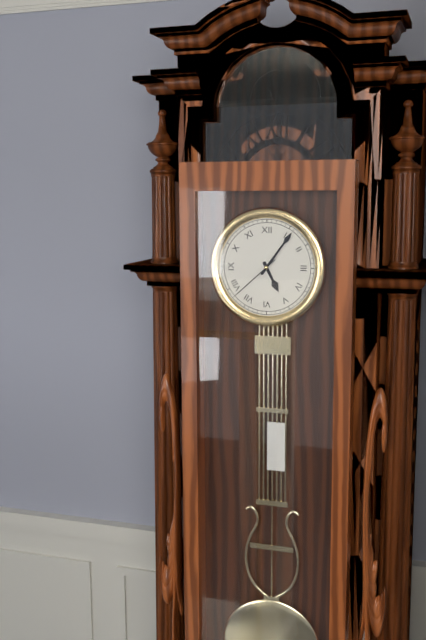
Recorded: h=5 m=6 s=38
